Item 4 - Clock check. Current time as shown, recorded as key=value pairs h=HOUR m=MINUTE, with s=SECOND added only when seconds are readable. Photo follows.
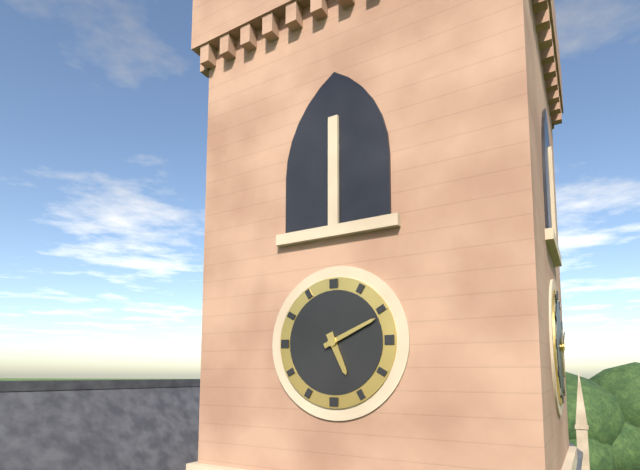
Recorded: h=5 m=11
